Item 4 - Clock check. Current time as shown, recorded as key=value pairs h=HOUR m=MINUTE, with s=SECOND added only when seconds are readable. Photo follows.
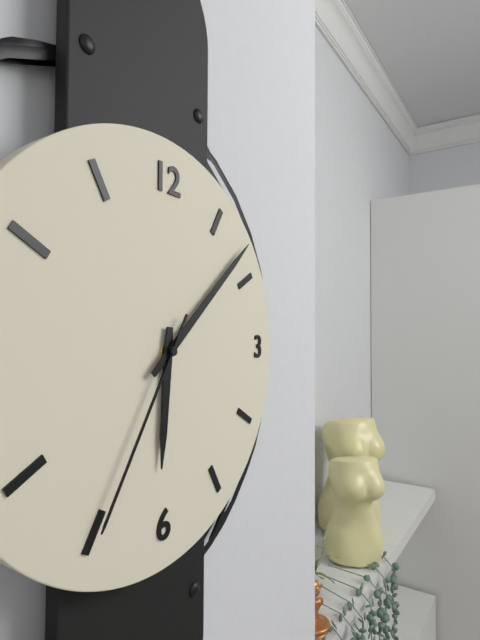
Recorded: h=6 m=8 s=35
